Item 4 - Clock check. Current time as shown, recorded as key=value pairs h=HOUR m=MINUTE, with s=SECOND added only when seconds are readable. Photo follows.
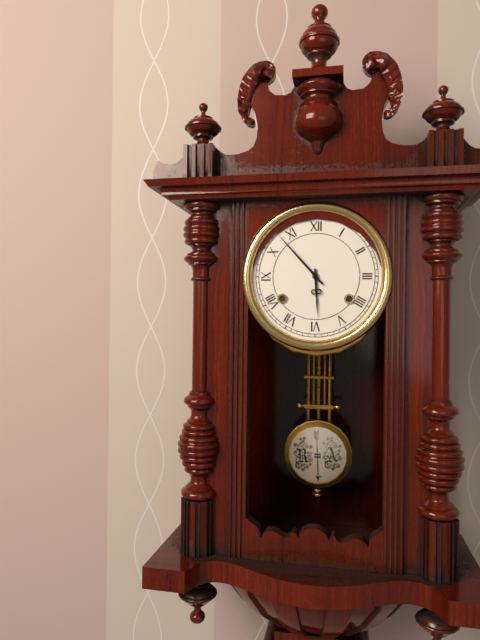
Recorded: h=5 m=53
